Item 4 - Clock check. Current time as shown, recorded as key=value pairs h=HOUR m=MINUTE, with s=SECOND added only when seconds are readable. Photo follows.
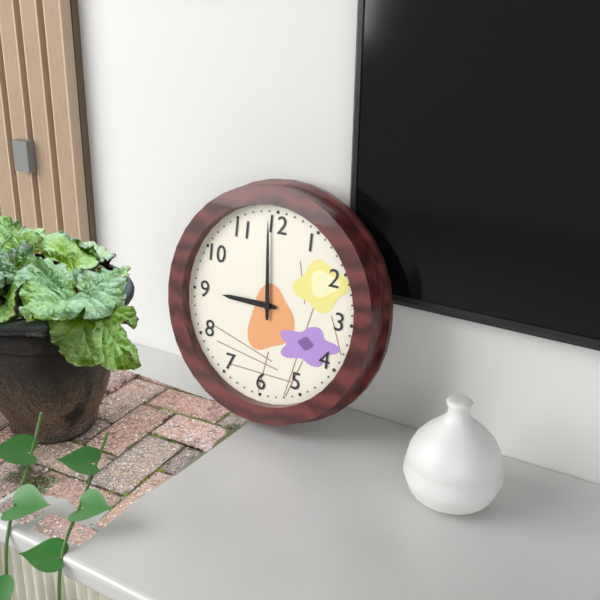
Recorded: h=8 m=59
